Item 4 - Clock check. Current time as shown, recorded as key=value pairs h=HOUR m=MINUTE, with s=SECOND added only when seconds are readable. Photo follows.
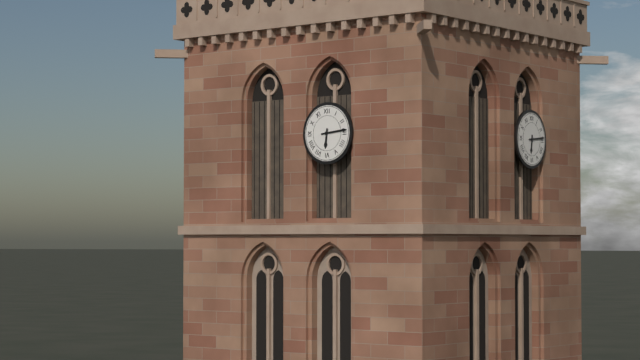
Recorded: h=6 m=14
